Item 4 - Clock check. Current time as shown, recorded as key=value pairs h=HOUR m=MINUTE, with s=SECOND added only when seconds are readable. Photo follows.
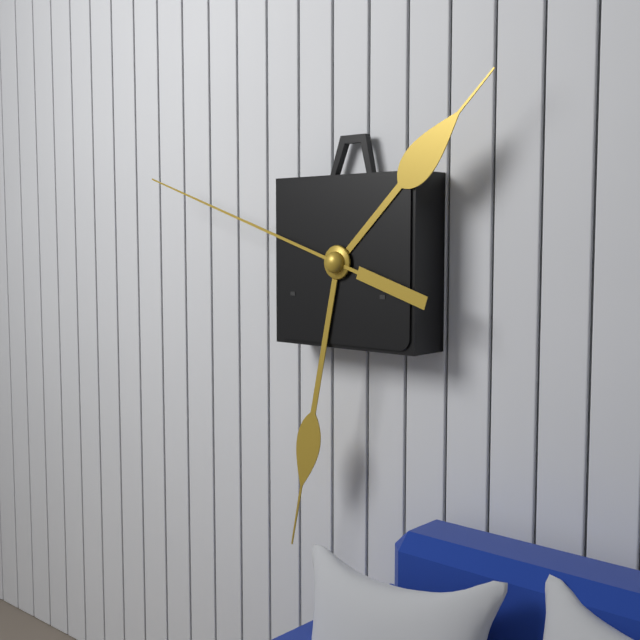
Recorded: h=1 m=32 s=48
